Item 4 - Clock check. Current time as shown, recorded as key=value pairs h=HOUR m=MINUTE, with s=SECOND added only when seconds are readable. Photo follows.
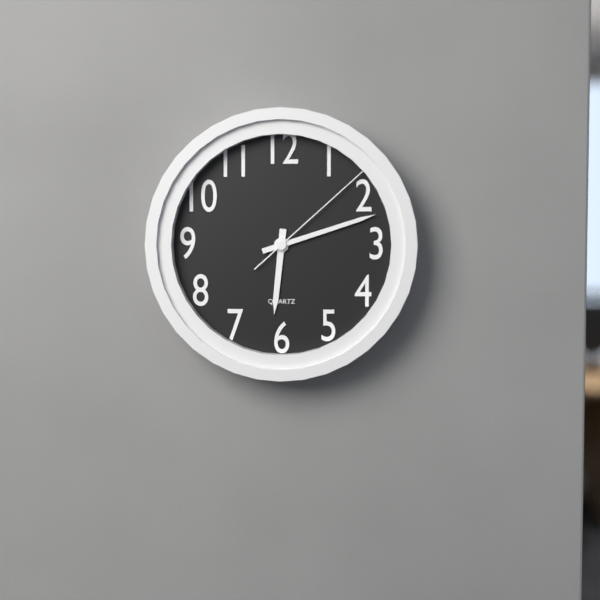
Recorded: h=6 m=12 s=8
